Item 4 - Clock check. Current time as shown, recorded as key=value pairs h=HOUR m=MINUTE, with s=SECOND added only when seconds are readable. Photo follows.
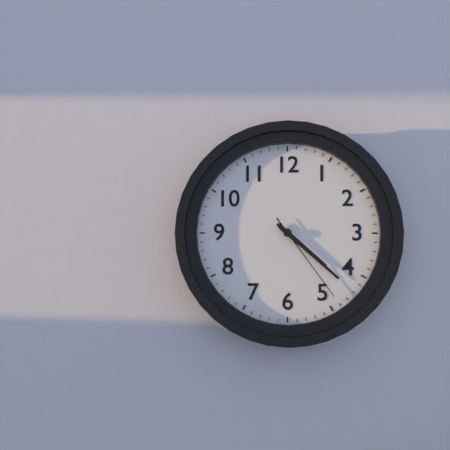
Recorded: h=4 m=22 s=24
